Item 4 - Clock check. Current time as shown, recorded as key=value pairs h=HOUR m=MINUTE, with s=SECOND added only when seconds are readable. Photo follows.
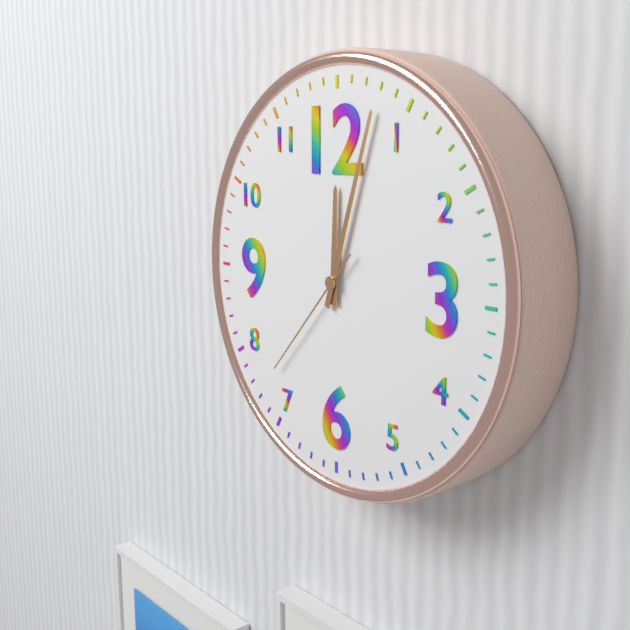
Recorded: h=12 m=3 s=37
